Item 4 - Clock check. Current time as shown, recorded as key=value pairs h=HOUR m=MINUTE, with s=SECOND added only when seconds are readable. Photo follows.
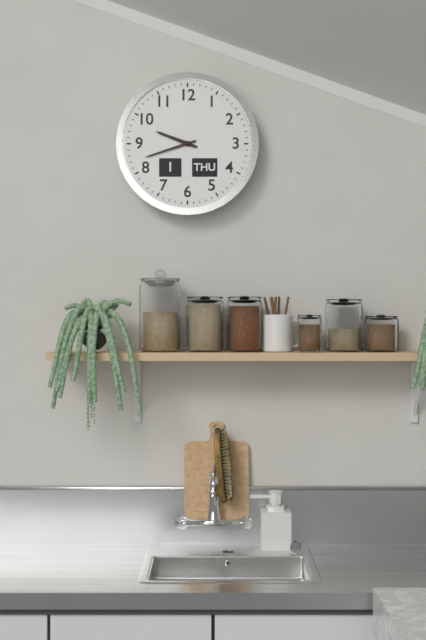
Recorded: h=9 m=42
